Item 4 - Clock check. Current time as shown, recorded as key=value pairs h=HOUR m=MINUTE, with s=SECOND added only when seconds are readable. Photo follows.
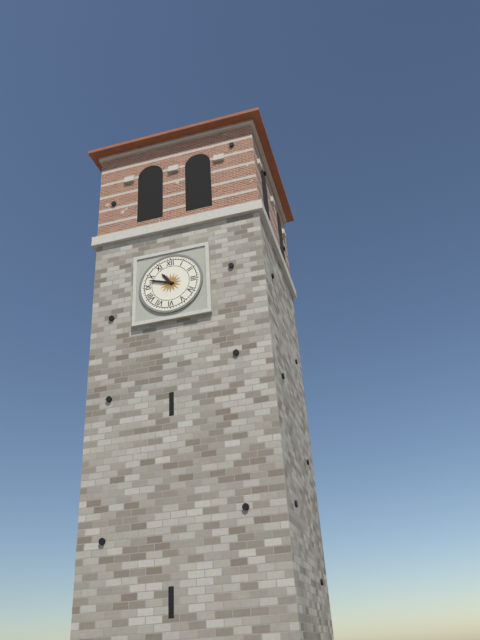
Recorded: h=10 m=48
